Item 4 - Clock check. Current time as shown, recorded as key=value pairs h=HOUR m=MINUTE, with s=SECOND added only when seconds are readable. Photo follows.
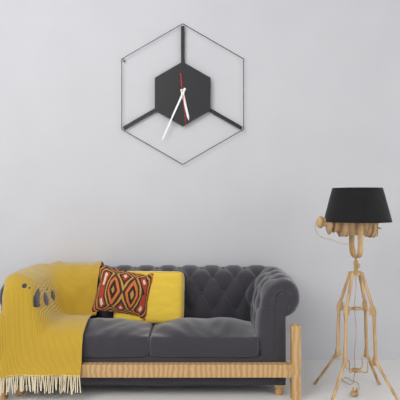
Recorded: h=5 m=34
